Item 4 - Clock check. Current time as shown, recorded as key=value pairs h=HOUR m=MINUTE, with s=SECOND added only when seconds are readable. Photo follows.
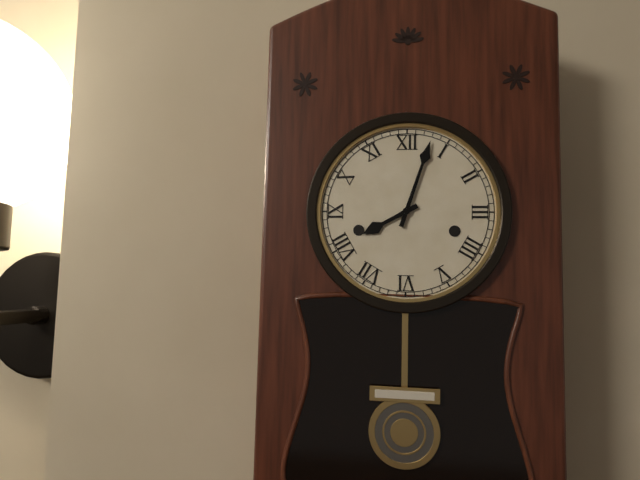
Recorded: h=8 m=3
